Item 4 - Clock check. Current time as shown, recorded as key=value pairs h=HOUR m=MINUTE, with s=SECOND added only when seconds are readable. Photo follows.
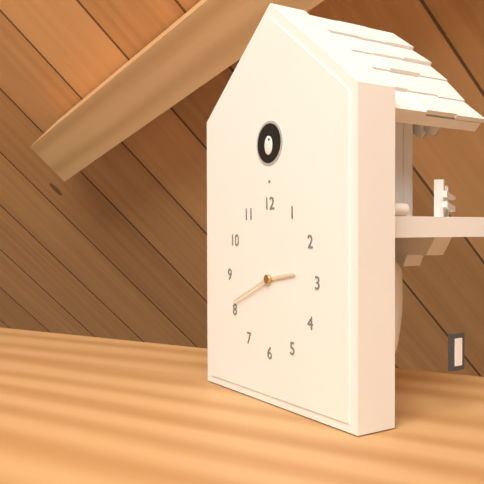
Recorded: h=2 m=41
